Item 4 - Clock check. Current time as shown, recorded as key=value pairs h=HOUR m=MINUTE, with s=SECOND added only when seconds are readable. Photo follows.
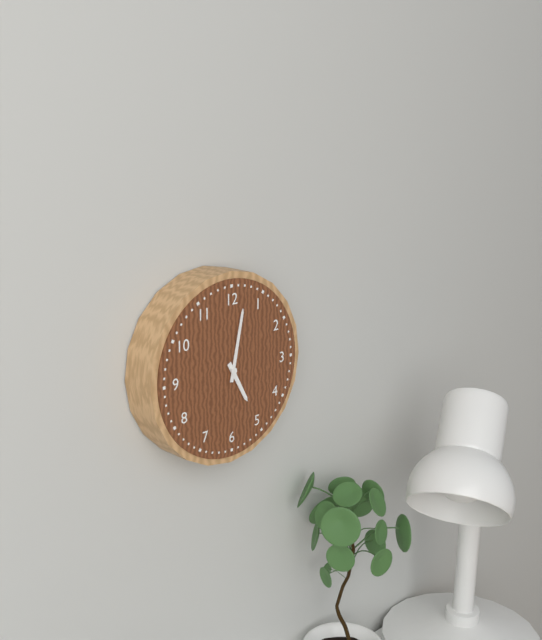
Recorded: h=5 m=2
